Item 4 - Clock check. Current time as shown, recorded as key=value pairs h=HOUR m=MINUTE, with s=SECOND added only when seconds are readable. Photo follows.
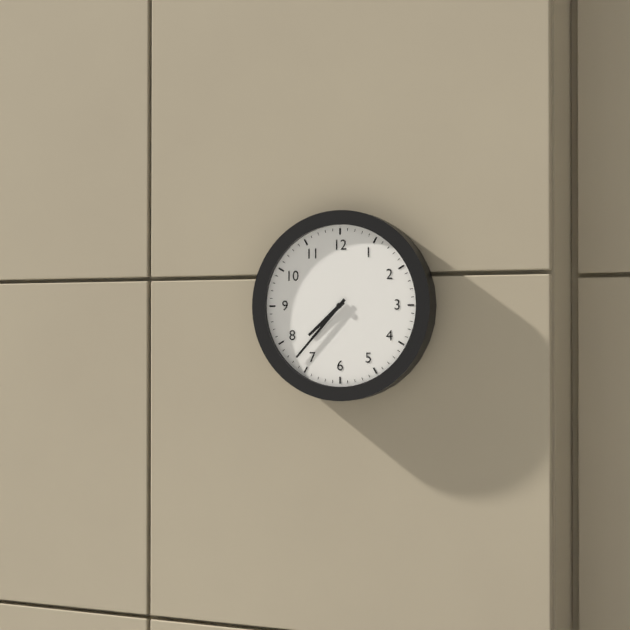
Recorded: h=7 m=37
